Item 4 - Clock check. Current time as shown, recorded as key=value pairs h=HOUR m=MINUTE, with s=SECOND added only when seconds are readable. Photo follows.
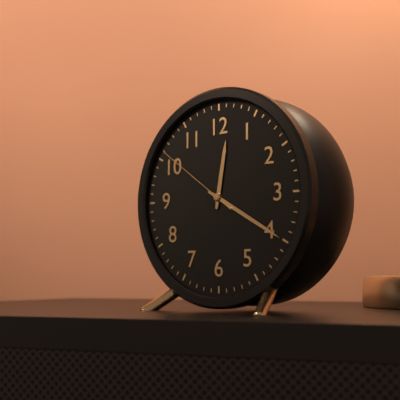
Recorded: h=12 m=20 s=51
